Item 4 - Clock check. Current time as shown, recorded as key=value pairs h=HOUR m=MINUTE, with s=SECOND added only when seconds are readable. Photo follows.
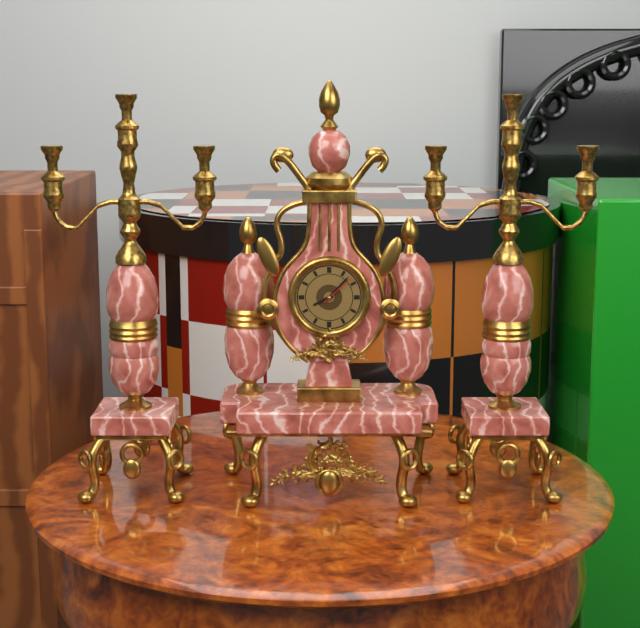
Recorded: h=8 m=7
